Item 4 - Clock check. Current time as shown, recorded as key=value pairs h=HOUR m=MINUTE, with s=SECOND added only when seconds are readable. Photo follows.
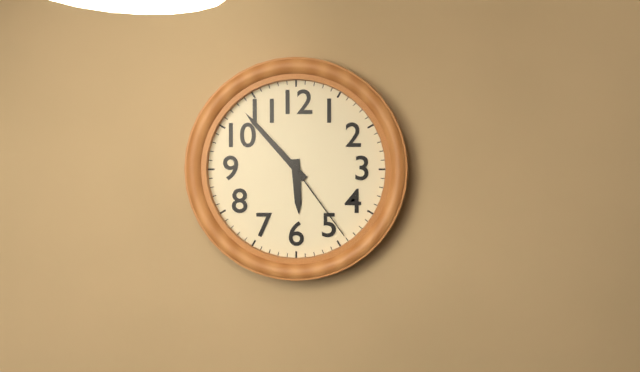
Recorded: h=5 m=53 s=24
